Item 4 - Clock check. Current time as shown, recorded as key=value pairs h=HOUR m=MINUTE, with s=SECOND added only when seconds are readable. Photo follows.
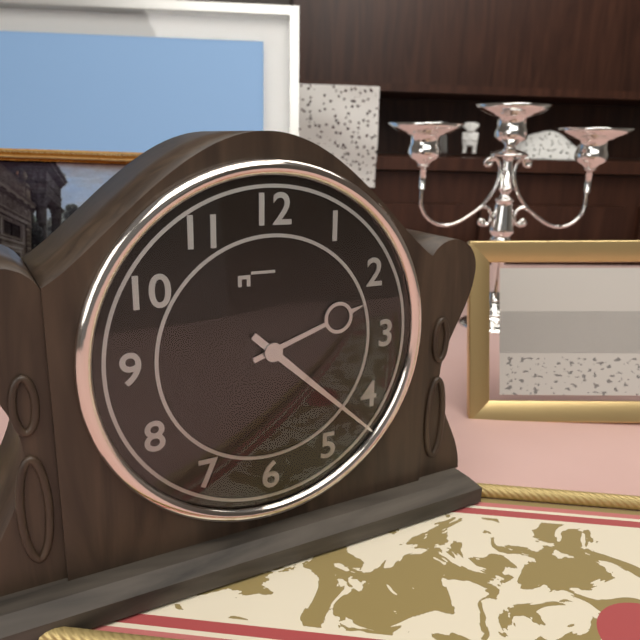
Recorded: h=2 m=22
